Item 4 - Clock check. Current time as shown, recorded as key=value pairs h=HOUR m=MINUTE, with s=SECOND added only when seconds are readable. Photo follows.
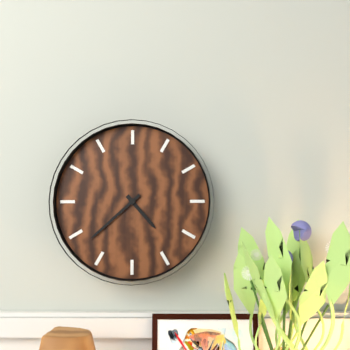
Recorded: h=4 m=38
